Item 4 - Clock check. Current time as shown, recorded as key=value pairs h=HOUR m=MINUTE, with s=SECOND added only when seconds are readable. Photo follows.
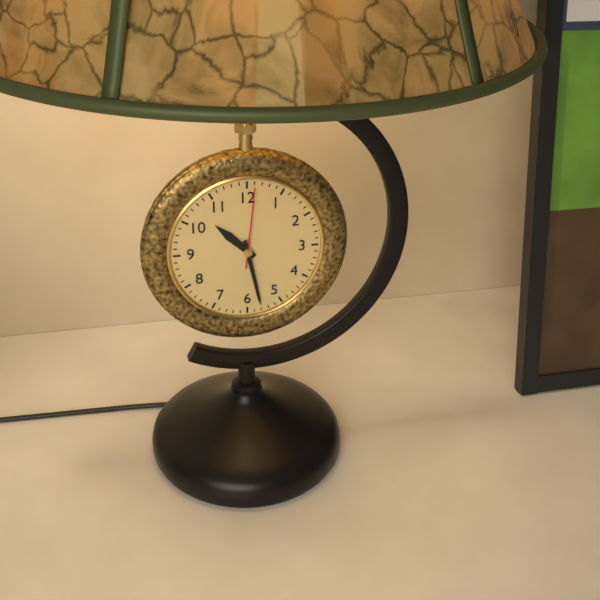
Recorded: h=10 m=28 s=1
